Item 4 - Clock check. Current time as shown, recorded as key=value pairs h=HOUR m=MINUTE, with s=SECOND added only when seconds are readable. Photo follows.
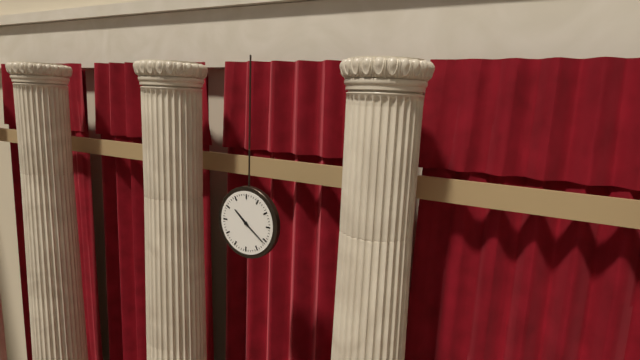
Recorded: h=10 m=21
